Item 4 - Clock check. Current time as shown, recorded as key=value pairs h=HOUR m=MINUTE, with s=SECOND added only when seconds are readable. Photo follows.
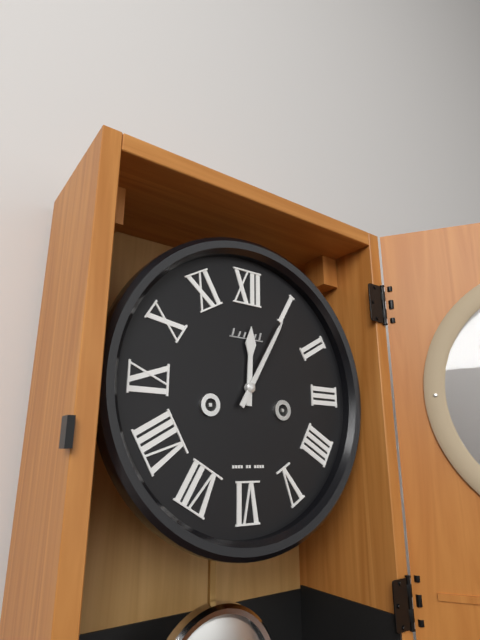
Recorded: h=12 m=5
